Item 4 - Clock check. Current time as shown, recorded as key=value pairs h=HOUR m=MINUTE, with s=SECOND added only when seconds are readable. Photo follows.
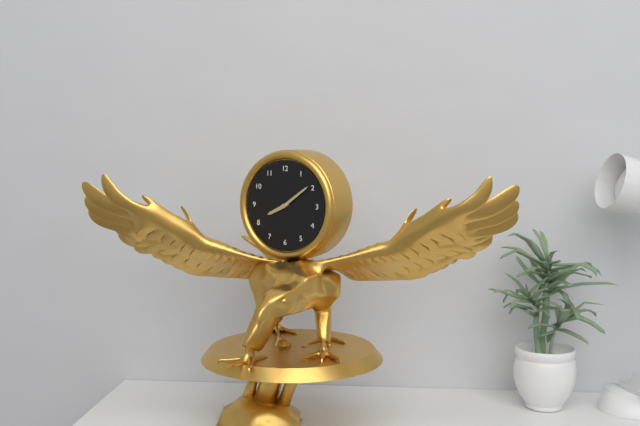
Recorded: h=8 m=9
